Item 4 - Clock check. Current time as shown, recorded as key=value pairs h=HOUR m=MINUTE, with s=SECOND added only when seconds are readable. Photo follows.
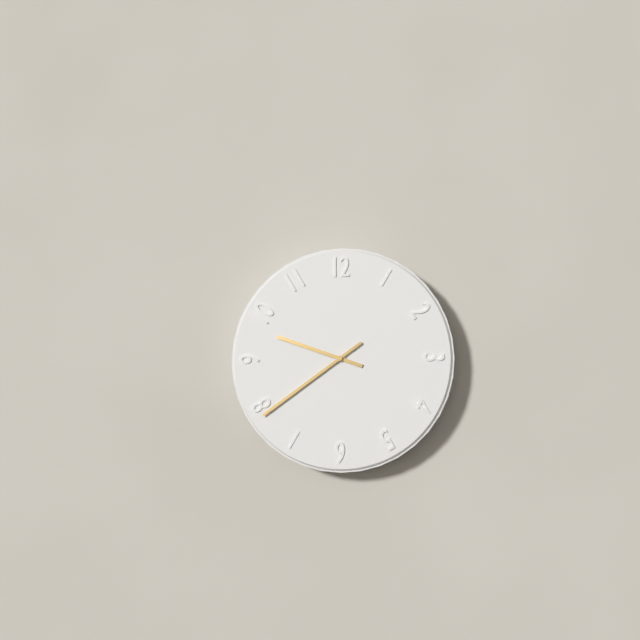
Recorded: h=9 m=39
